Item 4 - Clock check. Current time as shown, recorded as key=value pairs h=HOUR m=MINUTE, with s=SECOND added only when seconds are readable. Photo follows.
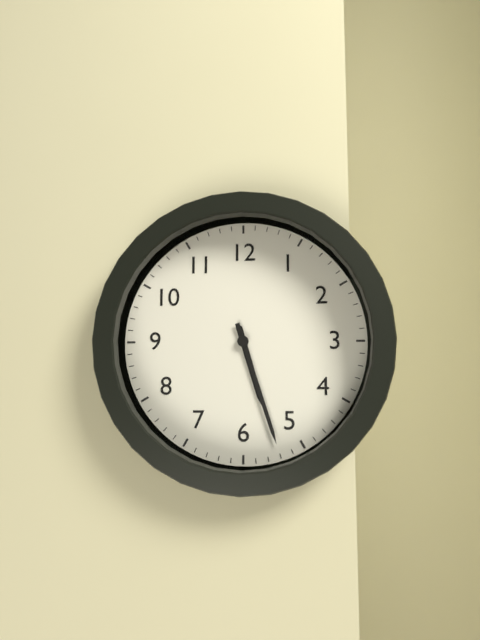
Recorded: h=5 m=27
